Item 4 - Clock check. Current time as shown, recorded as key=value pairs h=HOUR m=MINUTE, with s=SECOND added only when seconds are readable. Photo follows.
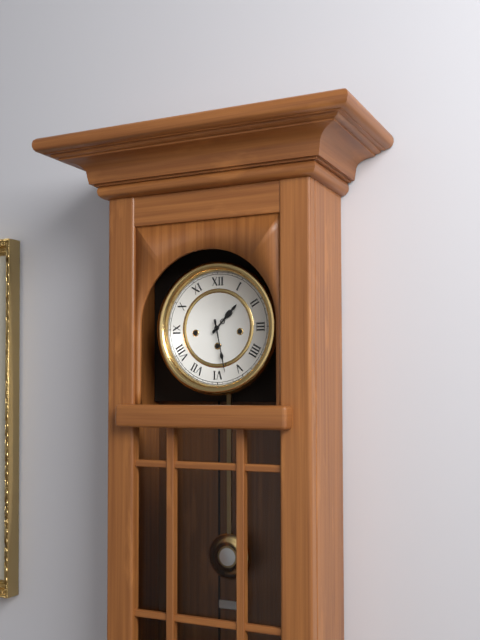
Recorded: h=1 m=28
